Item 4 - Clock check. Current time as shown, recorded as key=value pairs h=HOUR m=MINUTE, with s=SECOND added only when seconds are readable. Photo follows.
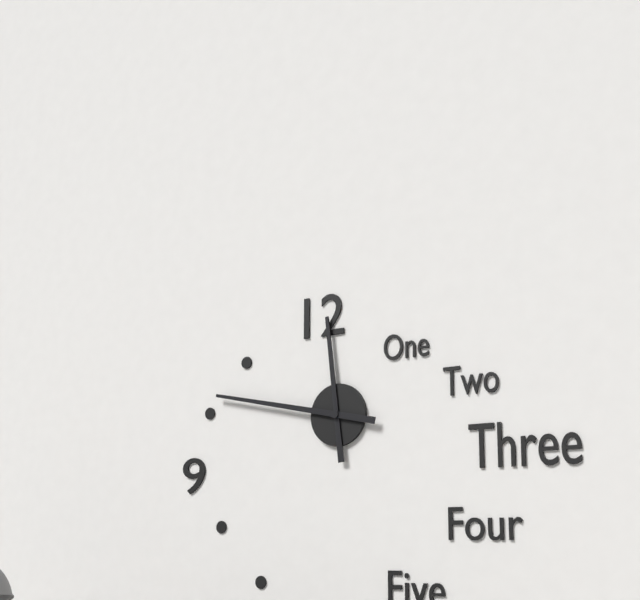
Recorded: h=11 m=47
